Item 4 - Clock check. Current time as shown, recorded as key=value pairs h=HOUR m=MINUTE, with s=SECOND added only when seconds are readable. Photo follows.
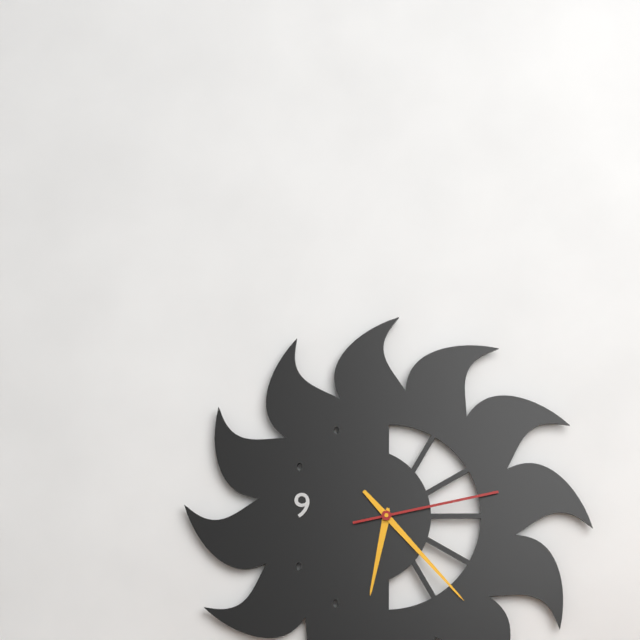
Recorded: h=6 m=23 s=13
